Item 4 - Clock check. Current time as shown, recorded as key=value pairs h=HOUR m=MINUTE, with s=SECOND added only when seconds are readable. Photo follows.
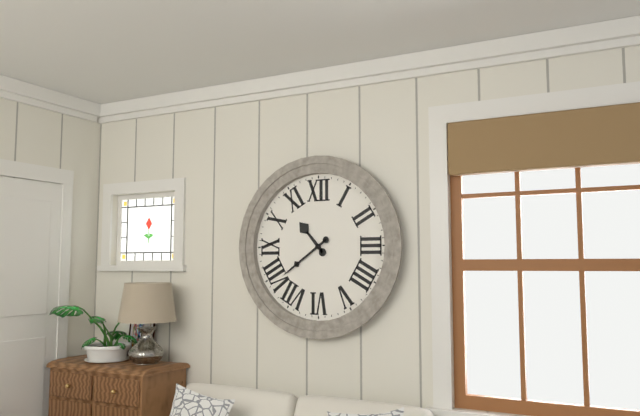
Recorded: h=10 m=39
